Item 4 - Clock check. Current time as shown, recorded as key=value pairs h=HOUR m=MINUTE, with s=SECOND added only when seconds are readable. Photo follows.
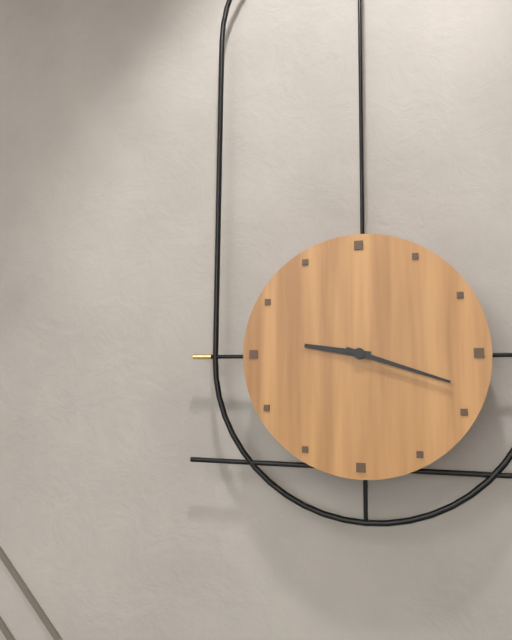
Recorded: h=9 m=18
